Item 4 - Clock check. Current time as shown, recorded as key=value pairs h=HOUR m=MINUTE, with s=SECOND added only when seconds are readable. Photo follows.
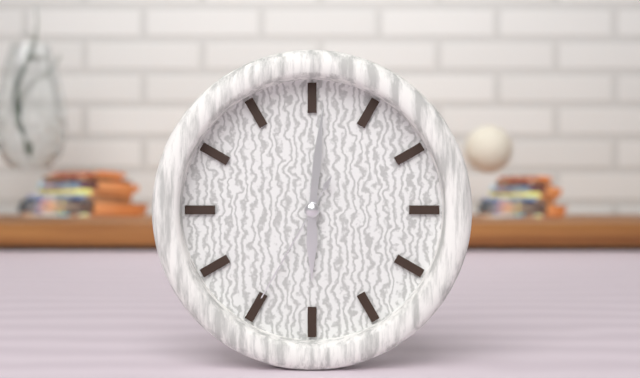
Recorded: h=6 m=1 s=35
